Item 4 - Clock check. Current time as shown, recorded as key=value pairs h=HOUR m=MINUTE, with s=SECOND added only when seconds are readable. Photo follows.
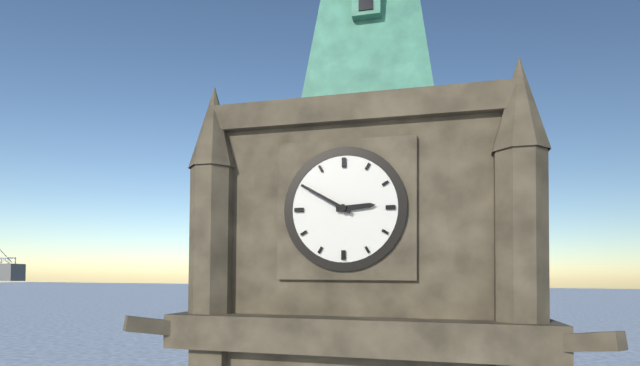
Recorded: h=2 m=50
